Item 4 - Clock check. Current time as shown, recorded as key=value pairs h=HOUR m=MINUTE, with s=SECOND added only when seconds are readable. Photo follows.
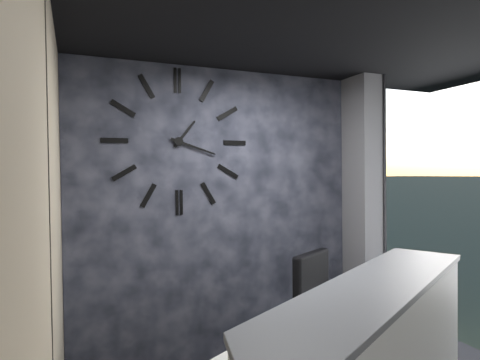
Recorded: h=1 m=18
